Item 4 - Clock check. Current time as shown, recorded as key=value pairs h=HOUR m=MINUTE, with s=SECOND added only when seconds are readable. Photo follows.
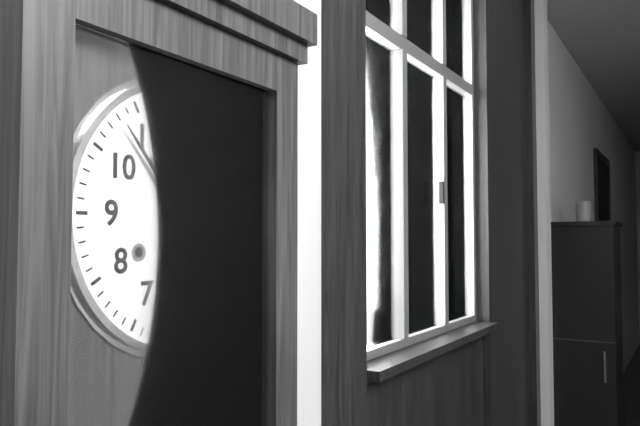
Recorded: h=10 m=53
